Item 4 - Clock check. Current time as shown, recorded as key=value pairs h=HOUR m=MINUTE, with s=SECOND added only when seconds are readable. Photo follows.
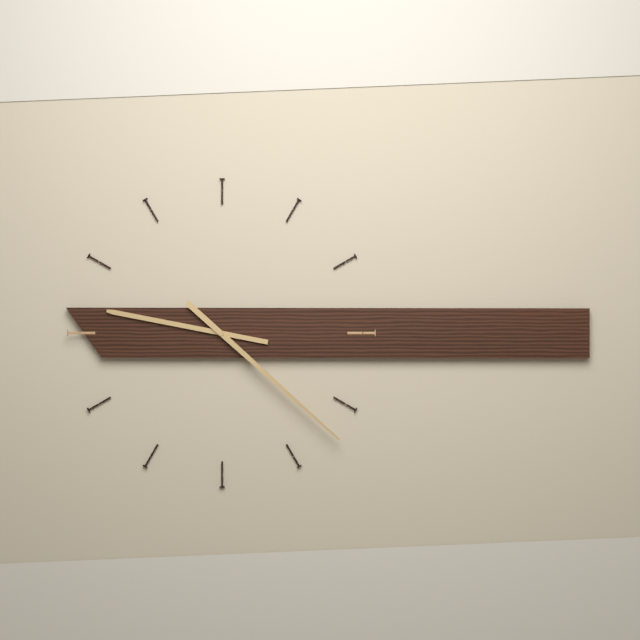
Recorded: h=9 m=22
